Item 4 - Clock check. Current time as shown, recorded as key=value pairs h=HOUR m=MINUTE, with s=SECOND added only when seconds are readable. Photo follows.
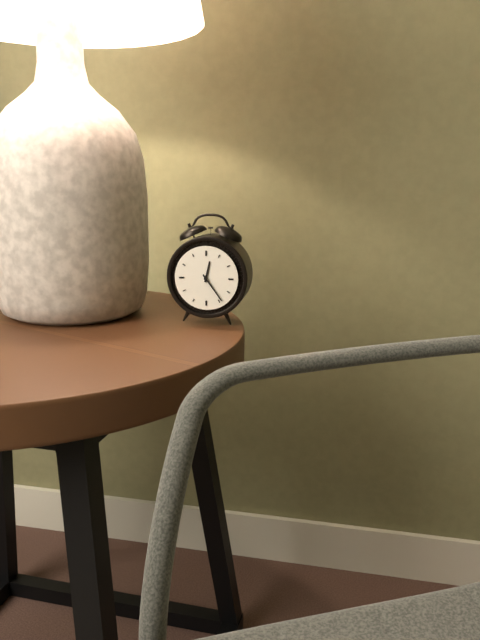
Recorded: h=12 m=24
